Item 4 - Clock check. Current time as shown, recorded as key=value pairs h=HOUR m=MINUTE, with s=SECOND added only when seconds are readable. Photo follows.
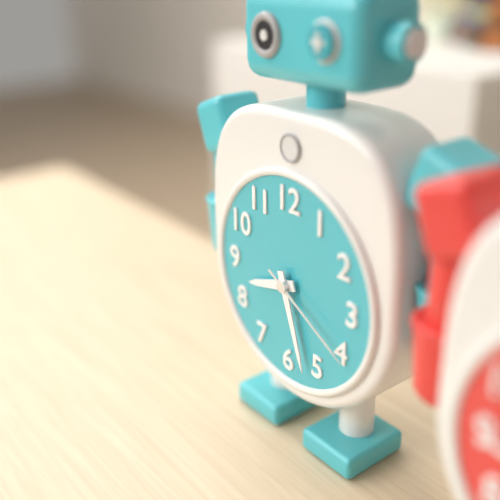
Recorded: h=8 m=27 s=20
